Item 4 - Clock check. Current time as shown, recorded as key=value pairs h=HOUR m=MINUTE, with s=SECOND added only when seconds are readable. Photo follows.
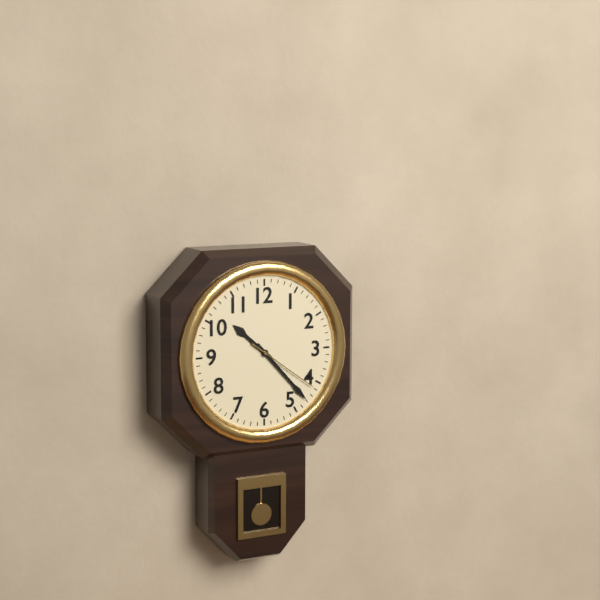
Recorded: h=10 m=23 s=21
